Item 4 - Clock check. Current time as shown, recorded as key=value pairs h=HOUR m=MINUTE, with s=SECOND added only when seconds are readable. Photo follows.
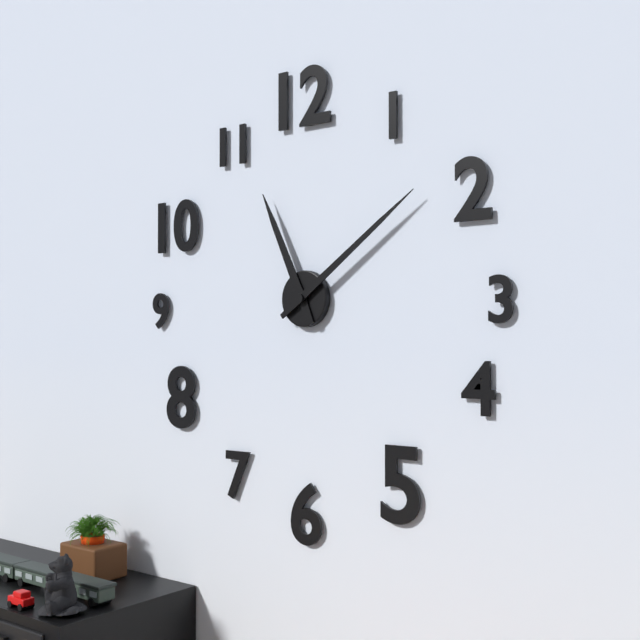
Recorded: h=11 m=9
